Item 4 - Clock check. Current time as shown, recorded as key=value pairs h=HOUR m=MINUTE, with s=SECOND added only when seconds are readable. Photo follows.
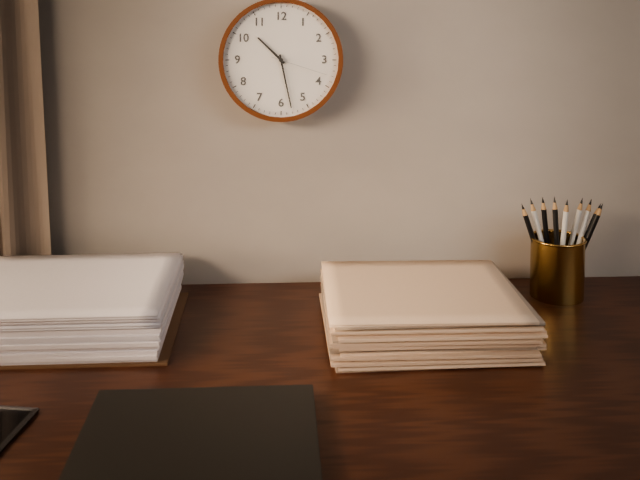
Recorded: h=10 m=28 s=18
